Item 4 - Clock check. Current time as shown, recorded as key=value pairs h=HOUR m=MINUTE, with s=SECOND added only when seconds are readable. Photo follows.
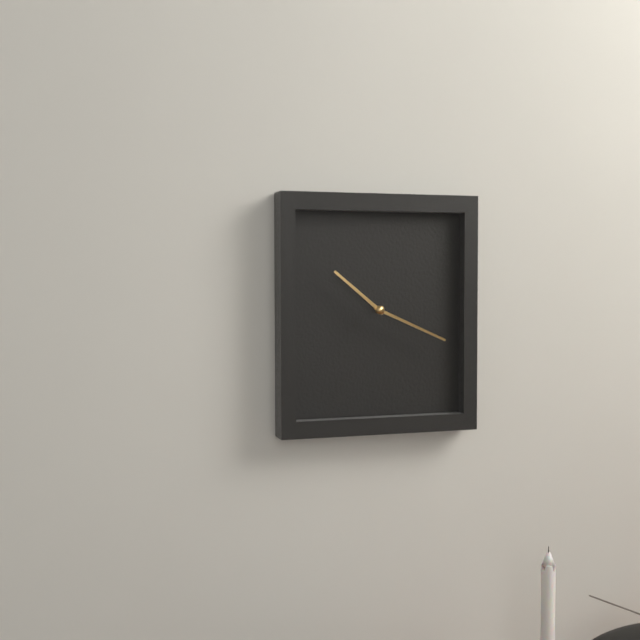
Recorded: h=10 m=19
